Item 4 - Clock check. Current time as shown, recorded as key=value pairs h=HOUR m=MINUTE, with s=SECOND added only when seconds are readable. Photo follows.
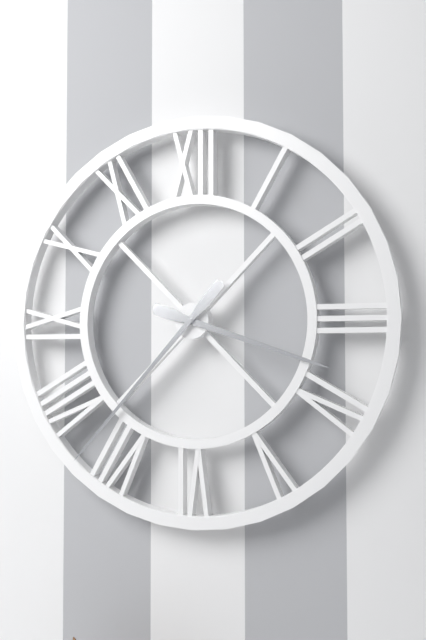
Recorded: h=3 m=37
